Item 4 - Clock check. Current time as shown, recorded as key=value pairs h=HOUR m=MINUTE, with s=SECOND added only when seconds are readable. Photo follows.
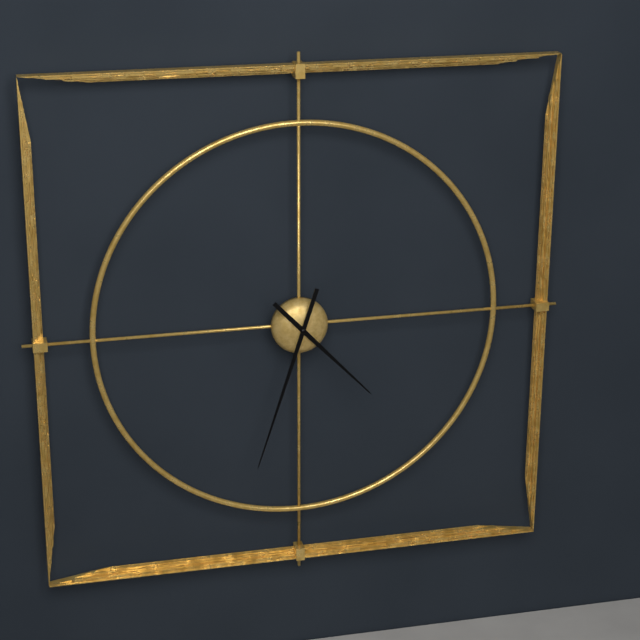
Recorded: h=4 m=33
